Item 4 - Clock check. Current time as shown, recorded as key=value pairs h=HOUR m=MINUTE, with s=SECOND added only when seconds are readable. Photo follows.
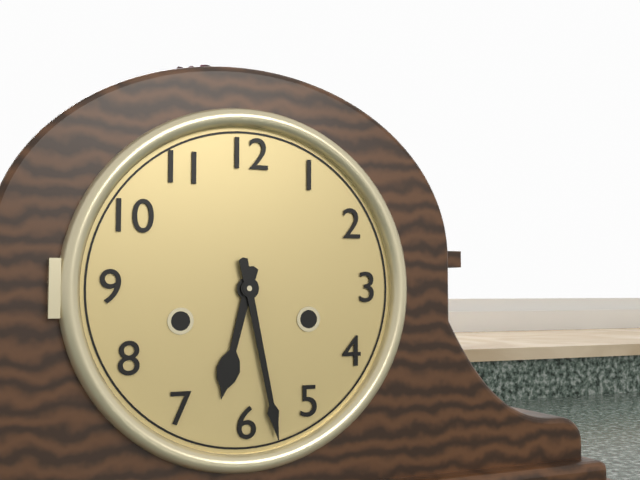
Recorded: h=6 m=28
